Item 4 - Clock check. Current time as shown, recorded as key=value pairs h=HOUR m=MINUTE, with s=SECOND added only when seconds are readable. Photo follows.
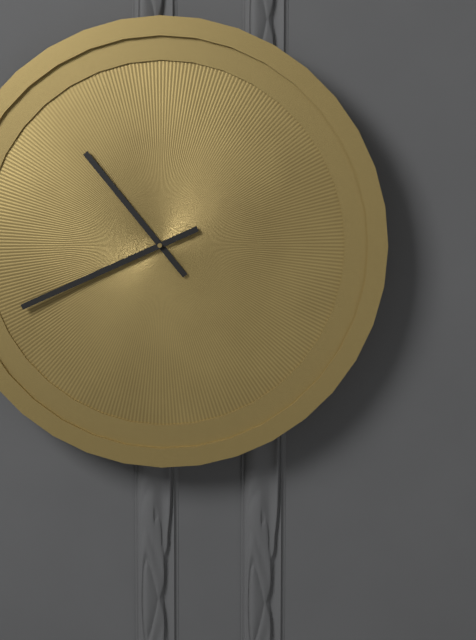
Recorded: h=10 m=41
